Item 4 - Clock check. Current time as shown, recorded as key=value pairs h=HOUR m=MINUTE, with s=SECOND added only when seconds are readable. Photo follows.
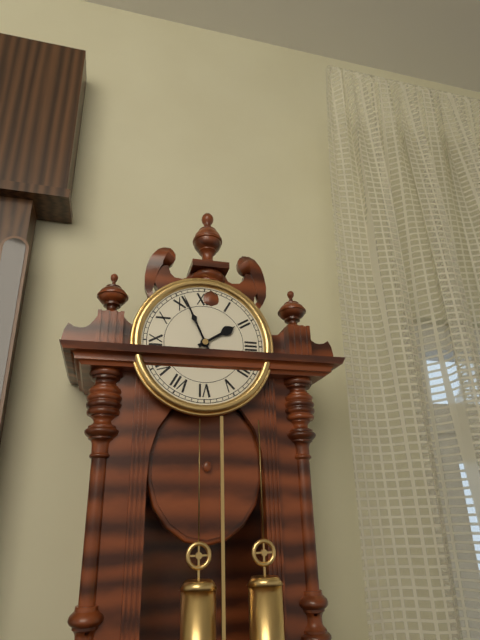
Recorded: h=1 m=56
